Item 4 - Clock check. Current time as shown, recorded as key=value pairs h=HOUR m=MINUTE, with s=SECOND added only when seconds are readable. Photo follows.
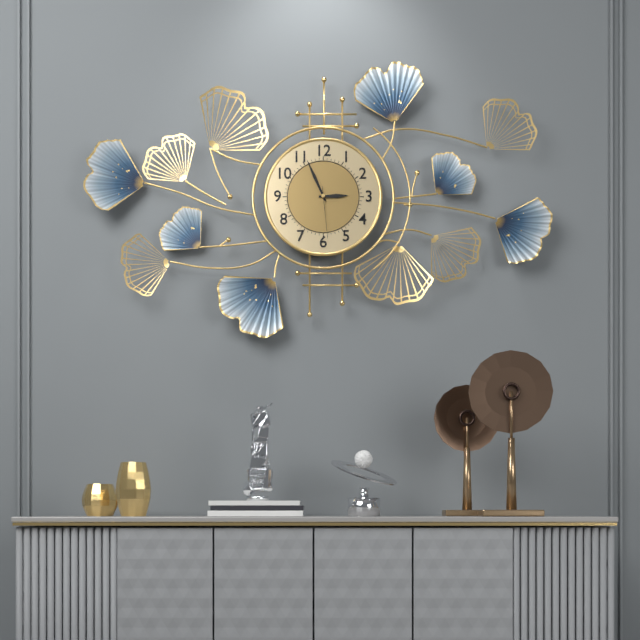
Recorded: h=2 m=56 s=29
